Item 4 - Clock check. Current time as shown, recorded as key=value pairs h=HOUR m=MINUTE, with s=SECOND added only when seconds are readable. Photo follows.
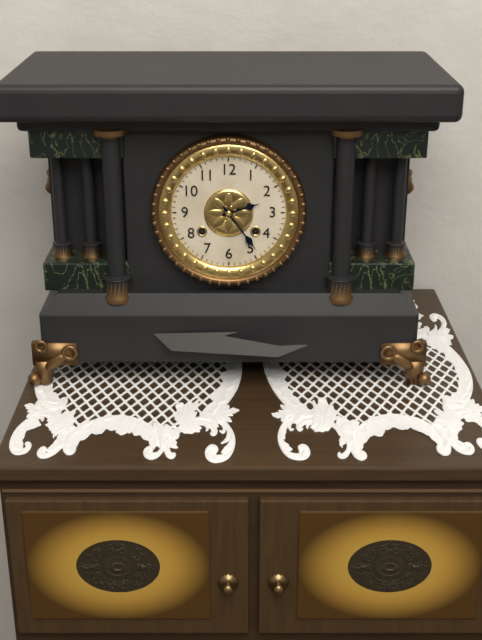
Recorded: h=2 m=24
